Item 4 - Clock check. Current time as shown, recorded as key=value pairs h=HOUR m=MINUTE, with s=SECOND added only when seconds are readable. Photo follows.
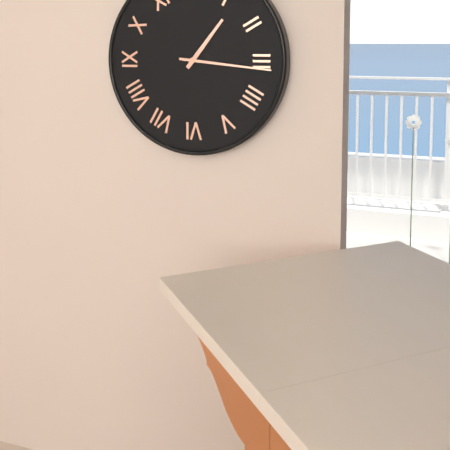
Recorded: h=1 m=16
